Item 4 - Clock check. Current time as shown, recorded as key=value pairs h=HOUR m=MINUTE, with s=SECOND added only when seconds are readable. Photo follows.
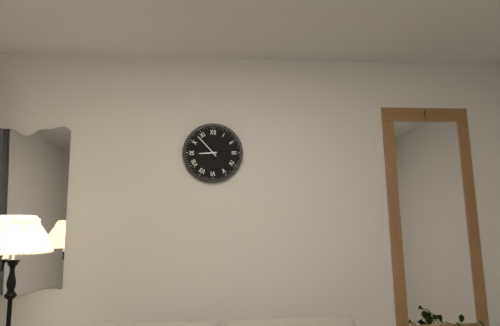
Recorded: h=8 m=53
